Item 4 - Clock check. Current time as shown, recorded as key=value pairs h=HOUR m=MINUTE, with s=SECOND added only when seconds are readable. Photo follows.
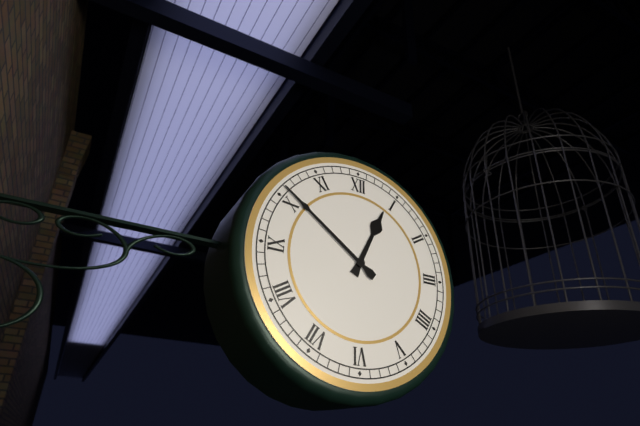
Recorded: h=12 m=51
